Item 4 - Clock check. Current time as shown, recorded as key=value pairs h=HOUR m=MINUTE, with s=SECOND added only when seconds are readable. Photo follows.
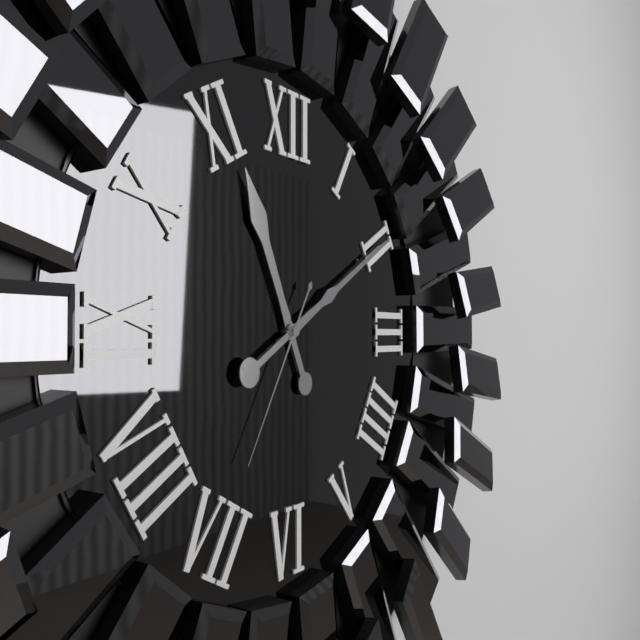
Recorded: h=11 m=10 s=35
